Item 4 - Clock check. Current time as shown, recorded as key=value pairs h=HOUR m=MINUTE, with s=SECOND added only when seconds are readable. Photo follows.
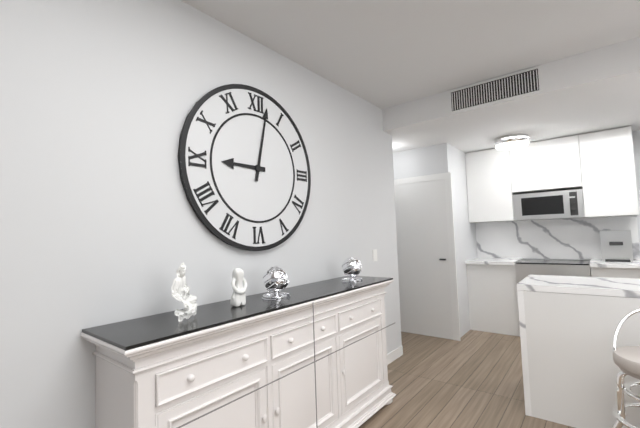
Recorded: h=9 m=2
